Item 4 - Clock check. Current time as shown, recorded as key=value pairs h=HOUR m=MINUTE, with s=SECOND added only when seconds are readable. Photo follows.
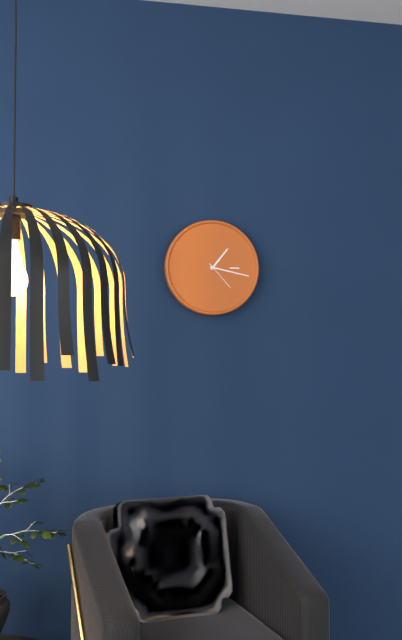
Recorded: h=1 m=17
